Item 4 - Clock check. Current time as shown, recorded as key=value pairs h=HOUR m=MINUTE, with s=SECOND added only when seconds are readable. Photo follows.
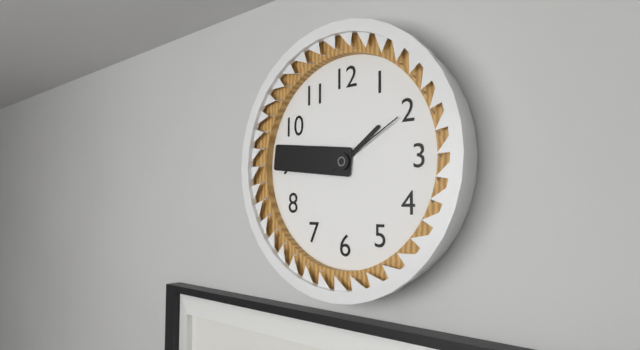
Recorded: h=1 m=46 s=10
